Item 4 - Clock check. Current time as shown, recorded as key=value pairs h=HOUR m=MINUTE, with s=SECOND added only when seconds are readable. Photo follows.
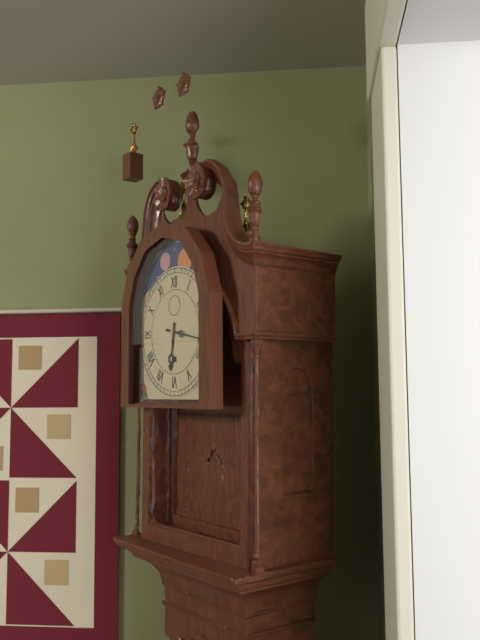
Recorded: h=6 m=17
